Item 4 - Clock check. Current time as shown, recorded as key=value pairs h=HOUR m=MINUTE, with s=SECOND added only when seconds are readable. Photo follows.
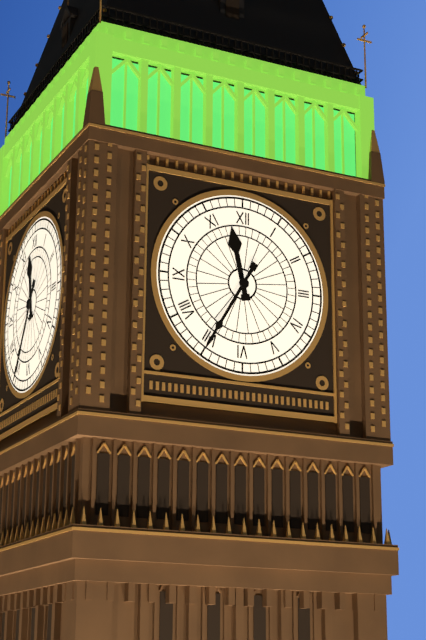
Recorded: h=11 m=35
